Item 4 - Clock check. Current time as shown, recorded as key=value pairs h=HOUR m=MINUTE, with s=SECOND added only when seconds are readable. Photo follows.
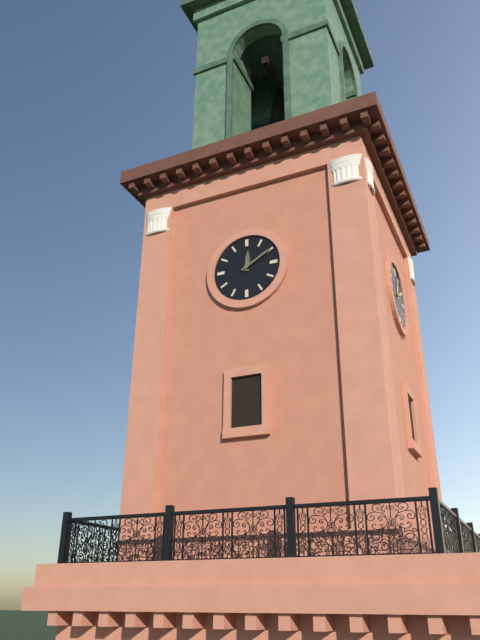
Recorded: h=12 m=10
